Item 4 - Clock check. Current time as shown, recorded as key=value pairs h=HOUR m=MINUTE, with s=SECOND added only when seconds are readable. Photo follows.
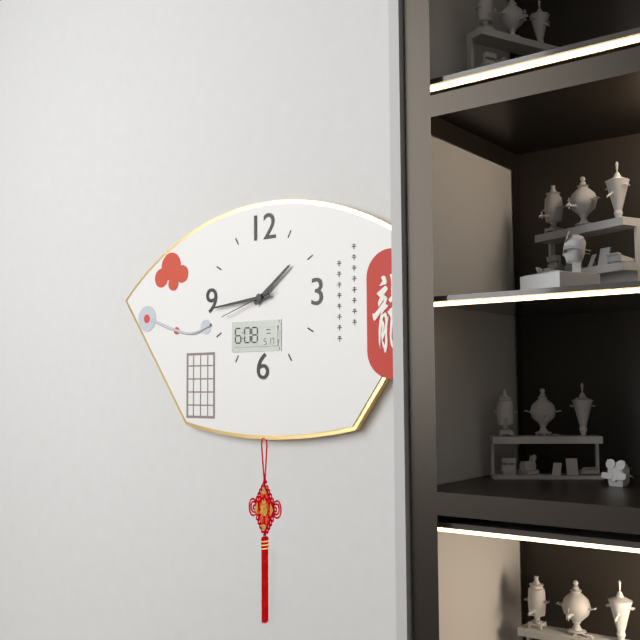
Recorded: h=1 m=44 s=42
